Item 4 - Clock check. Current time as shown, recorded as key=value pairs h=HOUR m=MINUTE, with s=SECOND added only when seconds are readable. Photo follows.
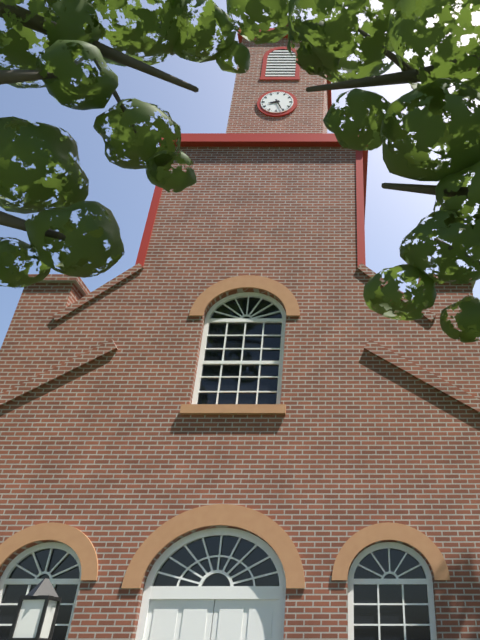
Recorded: h=8 m=26
